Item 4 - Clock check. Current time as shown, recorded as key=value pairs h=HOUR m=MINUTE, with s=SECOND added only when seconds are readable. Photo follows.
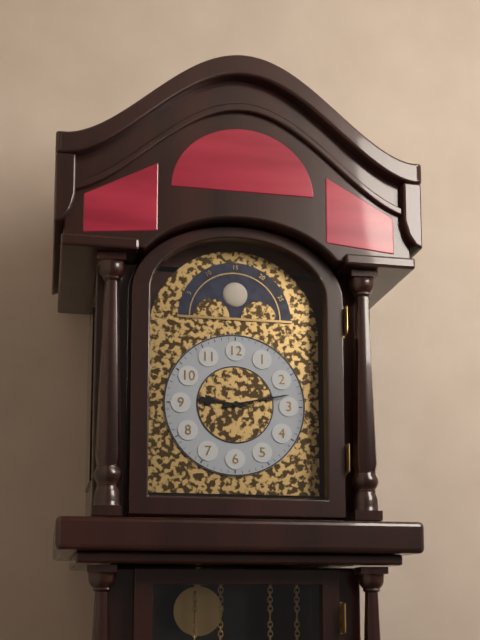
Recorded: h=9 m=13
